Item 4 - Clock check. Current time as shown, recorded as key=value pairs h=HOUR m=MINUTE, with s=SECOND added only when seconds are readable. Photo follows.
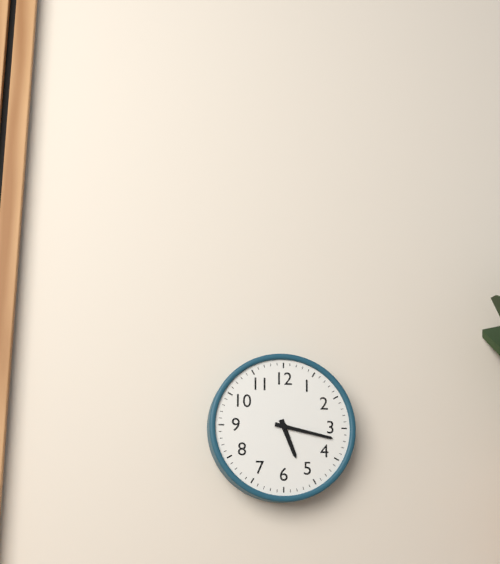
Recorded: h=5 m=17
